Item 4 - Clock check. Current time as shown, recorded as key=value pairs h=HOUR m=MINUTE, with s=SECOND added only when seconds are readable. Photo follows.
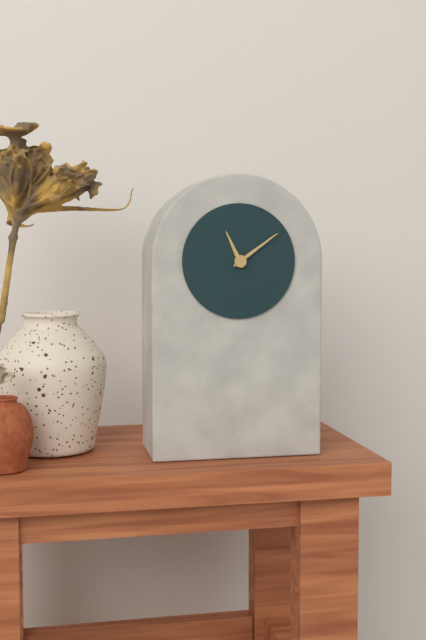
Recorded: h=11 m=9
